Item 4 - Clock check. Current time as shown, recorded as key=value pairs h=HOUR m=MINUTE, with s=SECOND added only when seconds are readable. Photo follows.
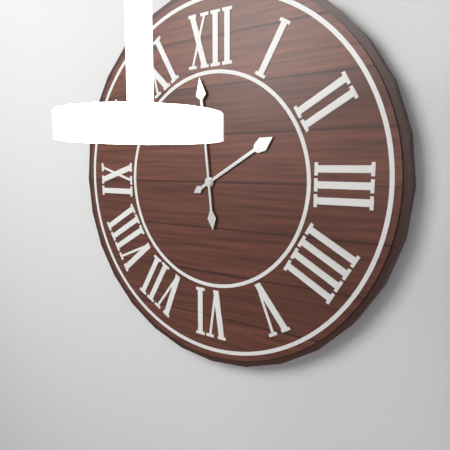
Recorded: h=1 m=59
